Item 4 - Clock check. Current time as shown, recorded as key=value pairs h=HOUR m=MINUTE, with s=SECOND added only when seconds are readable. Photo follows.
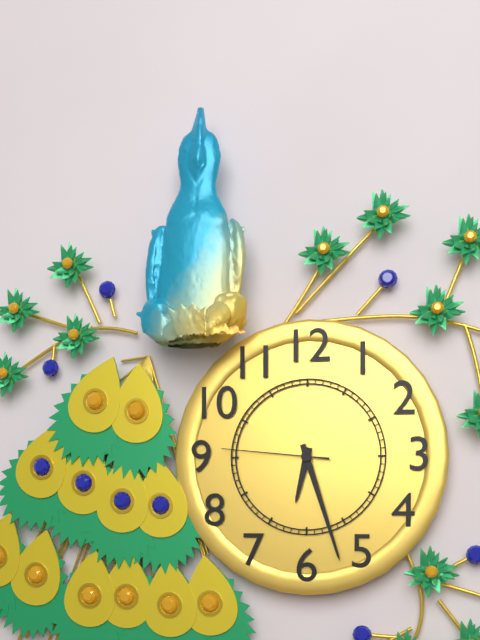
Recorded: h=6 m=27 s=46
